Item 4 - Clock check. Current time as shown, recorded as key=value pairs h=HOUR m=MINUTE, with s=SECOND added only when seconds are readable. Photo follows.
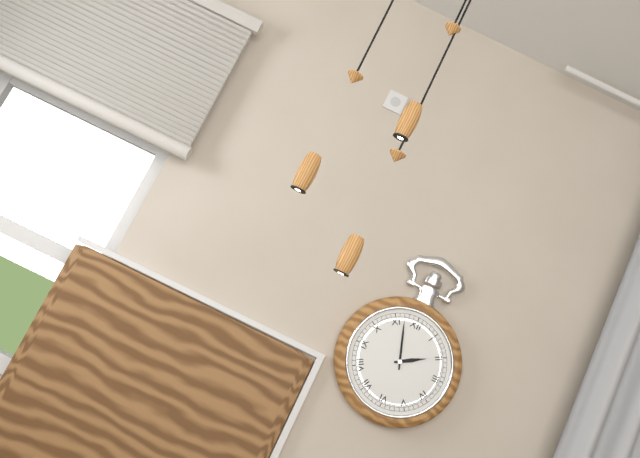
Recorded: h=1 m=57
